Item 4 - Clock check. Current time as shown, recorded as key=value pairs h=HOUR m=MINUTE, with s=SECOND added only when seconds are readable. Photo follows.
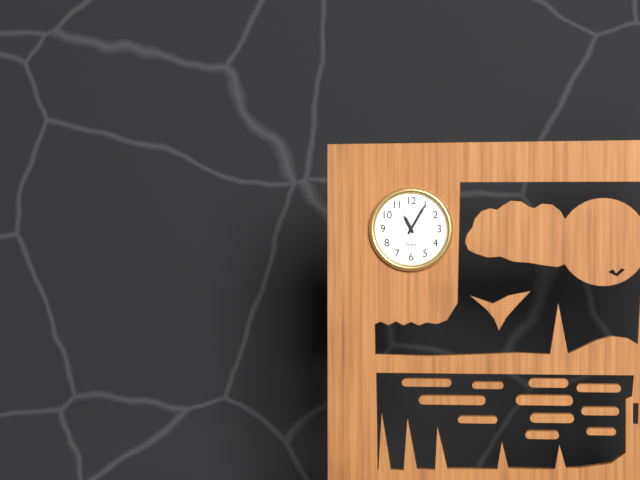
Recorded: h=11 m=5
